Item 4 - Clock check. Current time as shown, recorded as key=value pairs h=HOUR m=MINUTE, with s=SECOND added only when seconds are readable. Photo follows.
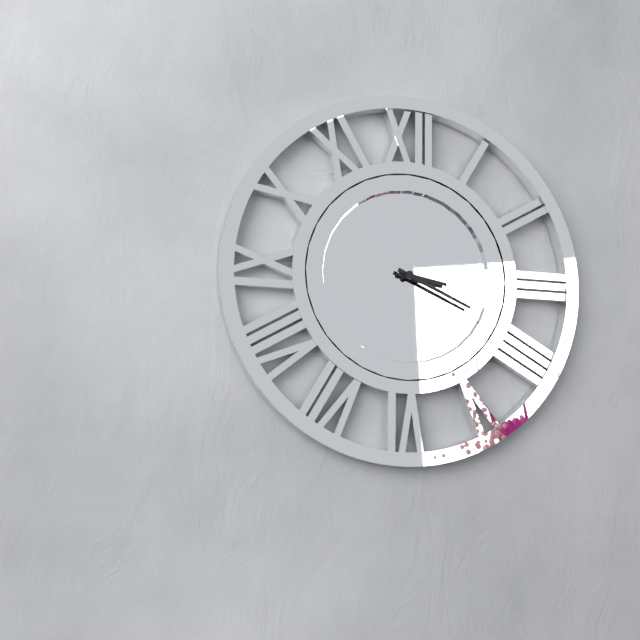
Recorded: h=3 m=19
